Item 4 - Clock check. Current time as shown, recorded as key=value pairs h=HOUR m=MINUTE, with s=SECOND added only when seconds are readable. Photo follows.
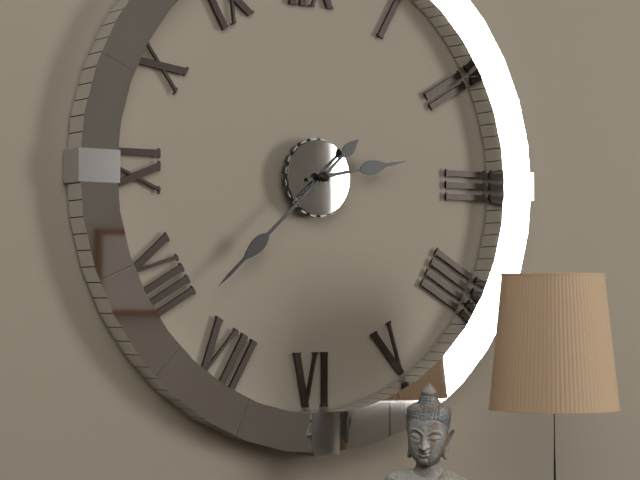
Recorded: h=2 m=38
